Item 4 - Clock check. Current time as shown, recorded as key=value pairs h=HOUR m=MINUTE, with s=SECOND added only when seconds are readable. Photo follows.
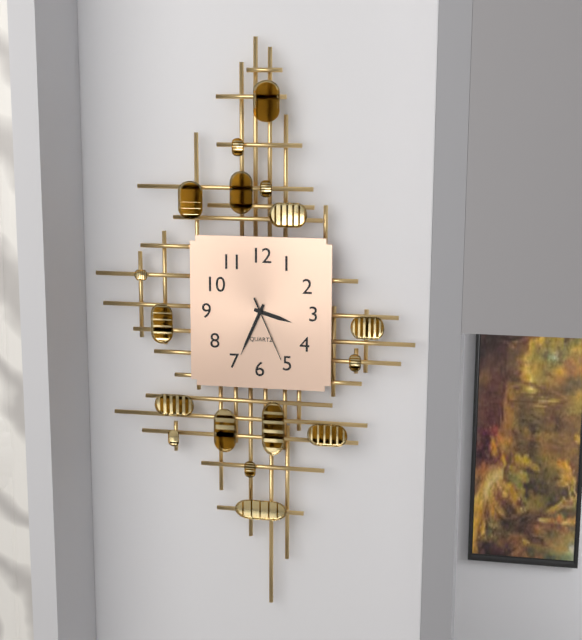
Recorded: h=3 m=34 s=26
